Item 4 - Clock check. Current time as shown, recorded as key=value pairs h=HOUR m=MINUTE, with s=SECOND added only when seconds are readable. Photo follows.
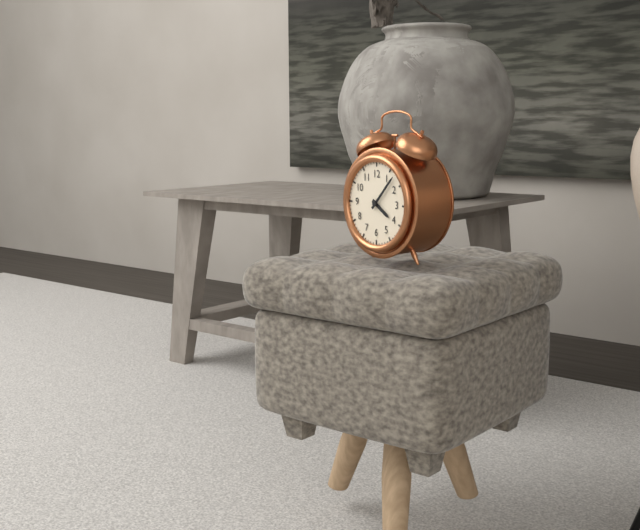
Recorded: h=4 m=7
